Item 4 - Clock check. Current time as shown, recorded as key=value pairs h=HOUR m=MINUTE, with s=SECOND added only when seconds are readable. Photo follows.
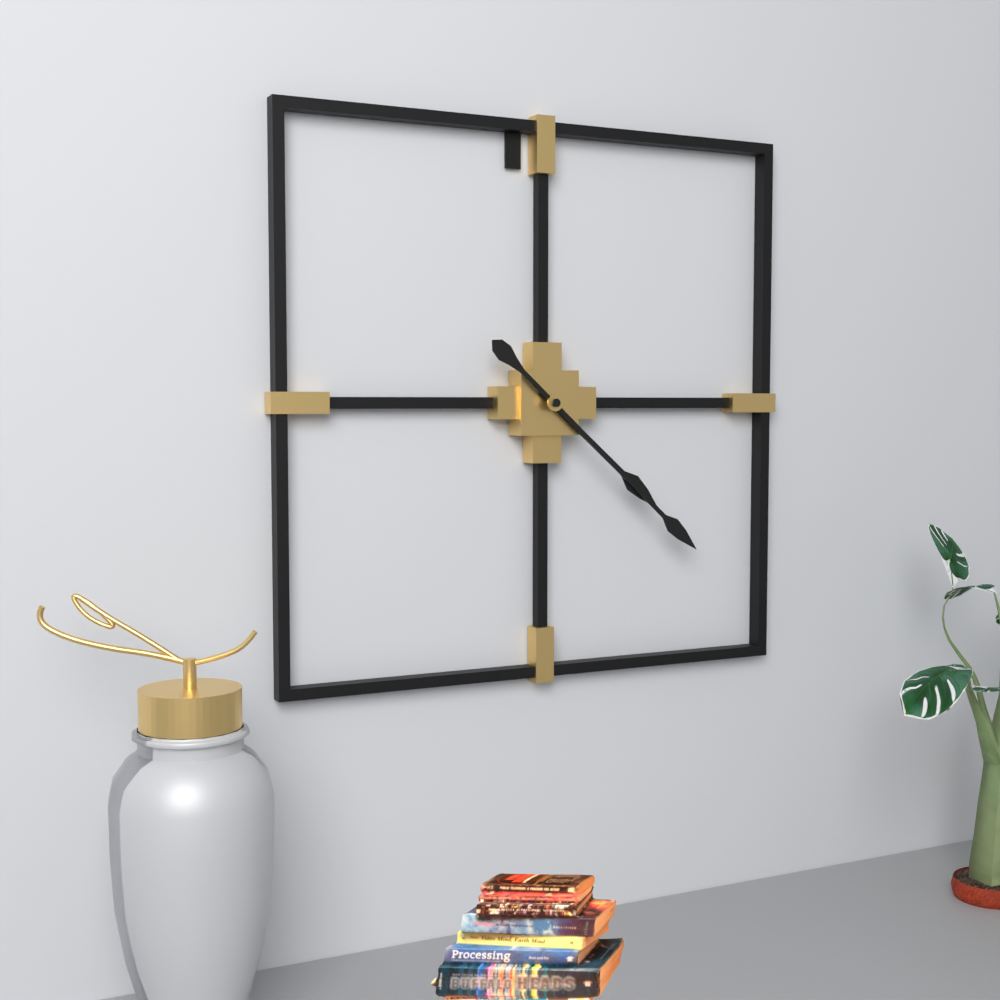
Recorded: h=4 m=22
